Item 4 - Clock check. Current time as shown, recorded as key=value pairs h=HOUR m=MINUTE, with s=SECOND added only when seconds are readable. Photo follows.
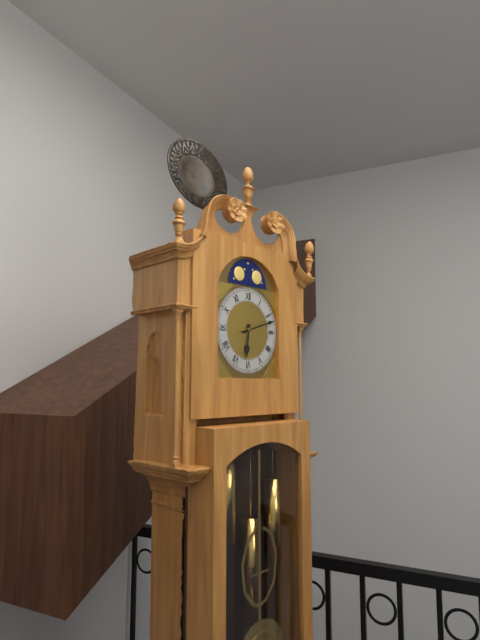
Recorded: h=6 m=12
